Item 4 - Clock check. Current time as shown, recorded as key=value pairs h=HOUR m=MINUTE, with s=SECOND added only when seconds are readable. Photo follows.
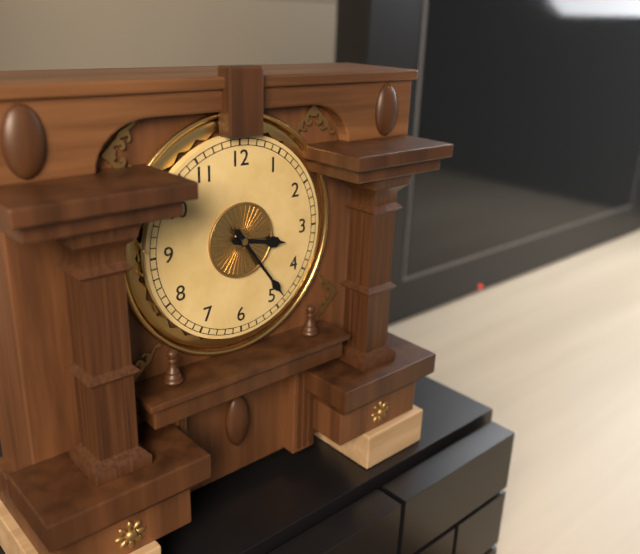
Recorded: h=3 m=24
